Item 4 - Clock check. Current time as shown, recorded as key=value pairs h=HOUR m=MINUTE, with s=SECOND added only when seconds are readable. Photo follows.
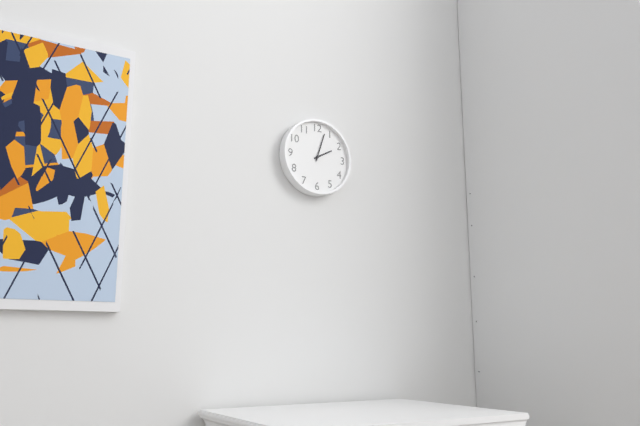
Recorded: h=2 m=3
